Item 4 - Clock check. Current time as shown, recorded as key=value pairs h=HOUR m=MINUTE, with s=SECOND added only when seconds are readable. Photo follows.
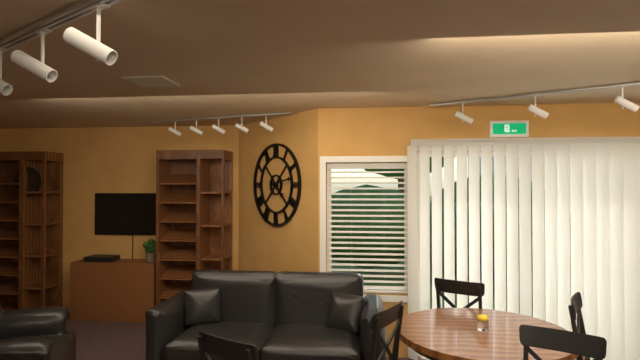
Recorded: h=4 m=13
